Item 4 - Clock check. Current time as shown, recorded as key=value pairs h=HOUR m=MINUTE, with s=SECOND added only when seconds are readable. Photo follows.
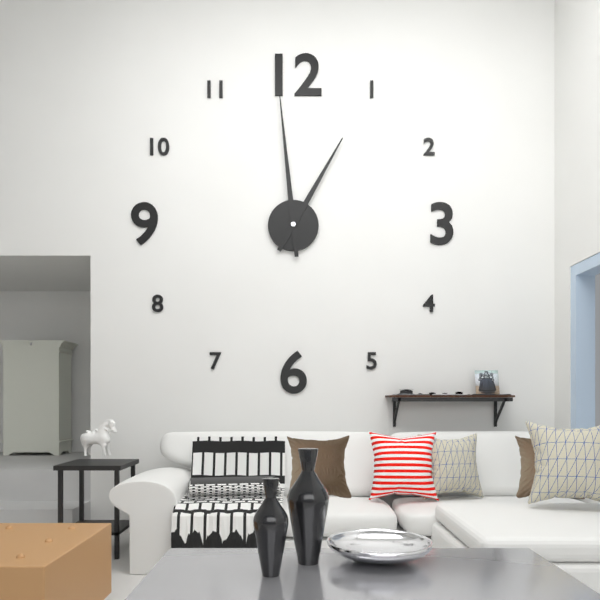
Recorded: h=12 m=59
